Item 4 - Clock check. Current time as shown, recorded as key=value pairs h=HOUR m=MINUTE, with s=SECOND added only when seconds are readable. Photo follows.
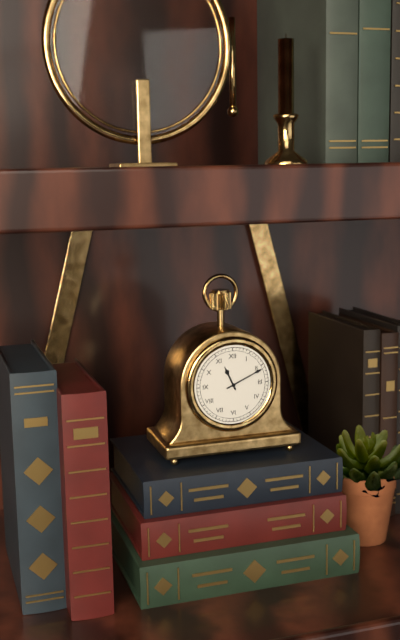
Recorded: h=11 m=11
